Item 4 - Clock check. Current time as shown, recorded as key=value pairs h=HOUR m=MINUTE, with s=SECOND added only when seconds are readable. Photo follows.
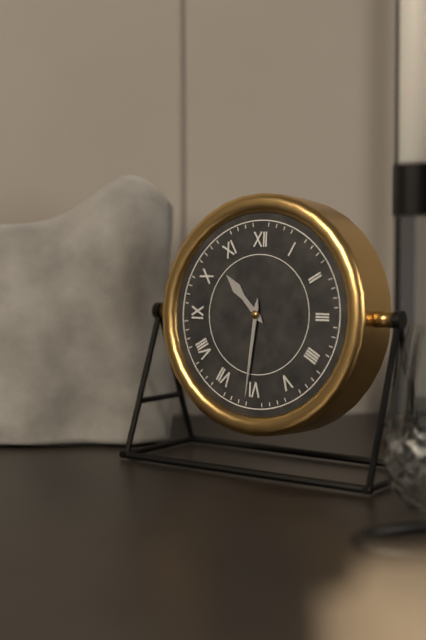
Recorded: h=10 m=31
